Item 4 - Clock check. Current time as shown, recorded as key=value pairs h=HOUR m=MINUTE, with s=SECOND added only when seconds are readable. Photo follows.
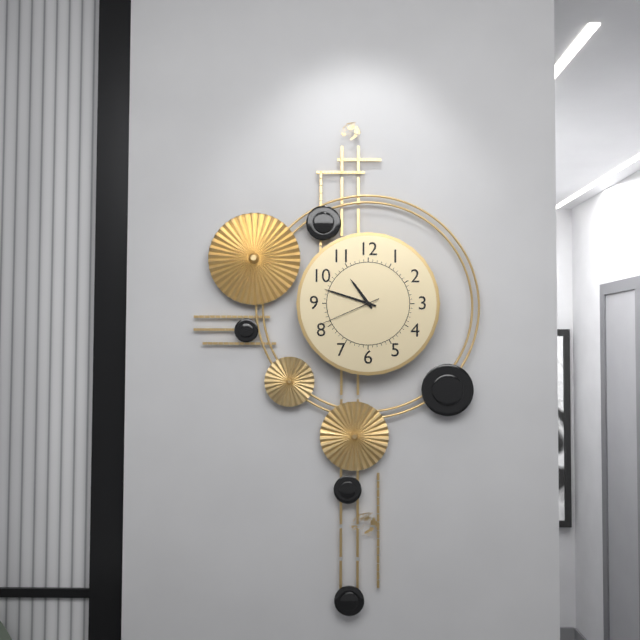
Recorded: h=10 m=48 s=41
